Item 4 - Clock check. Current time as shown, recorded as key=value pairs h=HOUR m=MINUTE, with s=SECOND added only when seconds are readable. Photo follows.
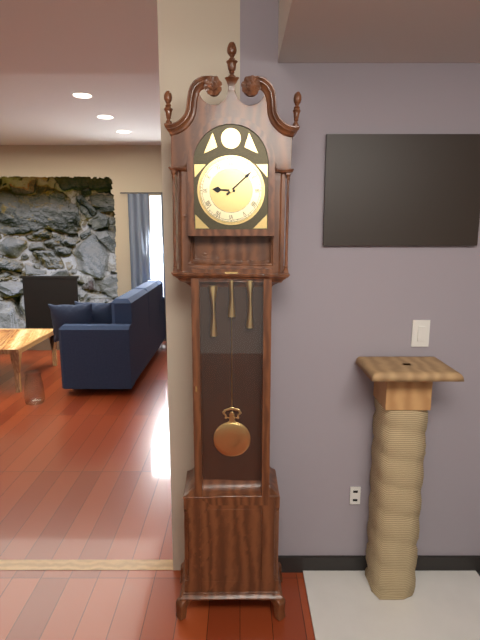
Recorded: h=9 m=8
